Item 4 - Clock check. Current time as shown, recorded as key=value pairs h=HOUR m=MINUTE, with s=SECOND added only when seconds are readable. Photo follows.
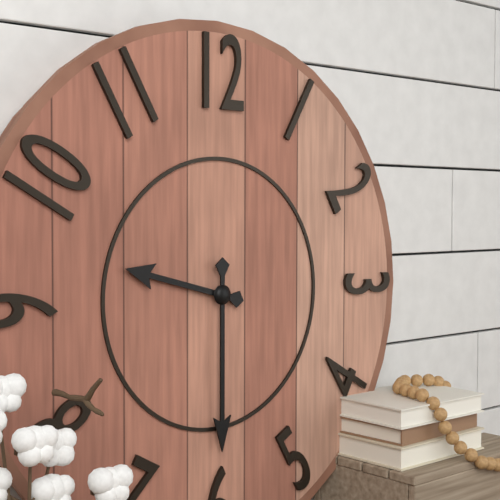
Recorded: h=9 m=30
